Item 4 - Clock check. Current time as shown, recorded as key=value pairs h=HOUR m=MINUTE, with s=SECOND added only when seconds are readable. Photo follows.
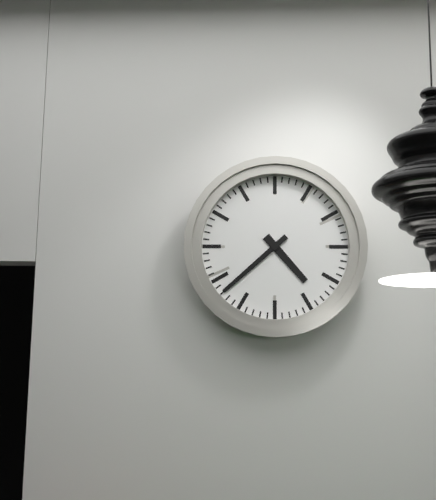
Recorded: h=4 m=38
